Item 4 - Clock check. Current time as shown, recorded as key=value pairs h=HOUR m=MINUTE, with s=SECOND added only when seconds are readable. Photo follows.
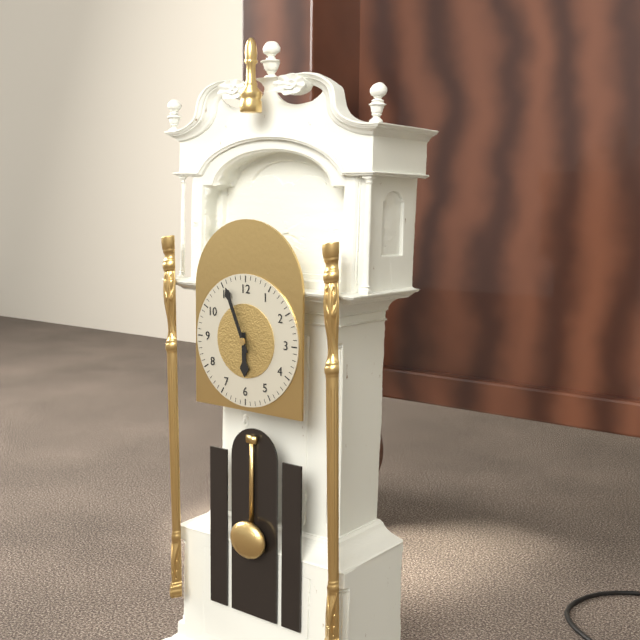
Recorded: h=5 m=56
